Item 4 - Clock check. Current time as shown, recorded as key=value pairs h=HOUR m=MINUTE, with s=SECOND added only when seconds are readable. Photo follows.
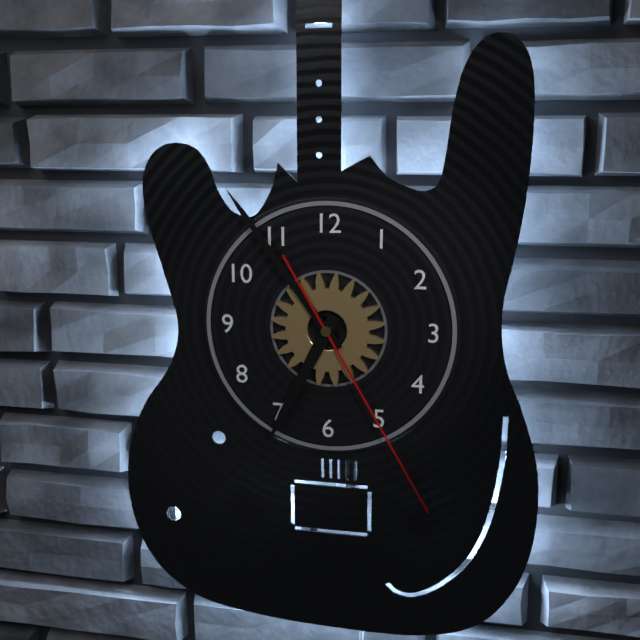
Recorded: h=6 m=54 s=25
